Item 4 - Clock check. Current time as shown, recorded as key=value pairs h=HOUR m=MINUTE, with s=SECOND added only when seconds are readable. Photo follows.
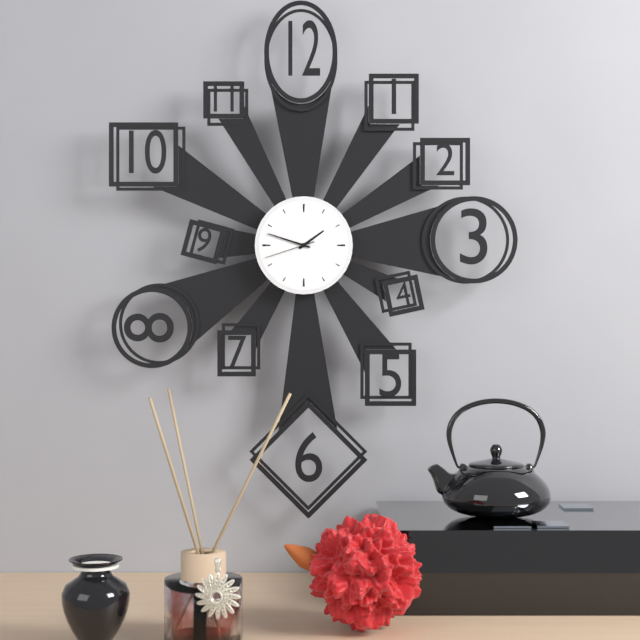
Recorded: h=1 m=48 s=42
